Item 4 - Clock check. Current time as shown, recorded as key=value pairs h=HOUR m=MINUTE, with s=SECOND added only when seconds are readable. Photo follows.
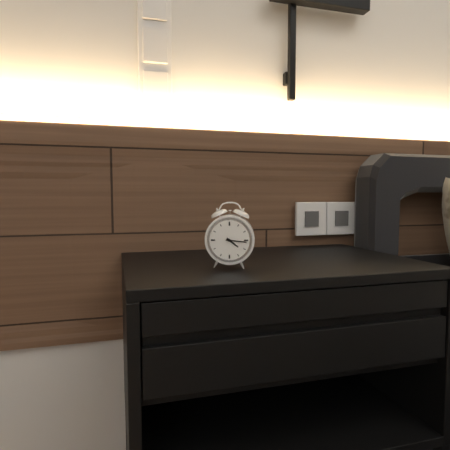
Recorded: h=4 m=16
